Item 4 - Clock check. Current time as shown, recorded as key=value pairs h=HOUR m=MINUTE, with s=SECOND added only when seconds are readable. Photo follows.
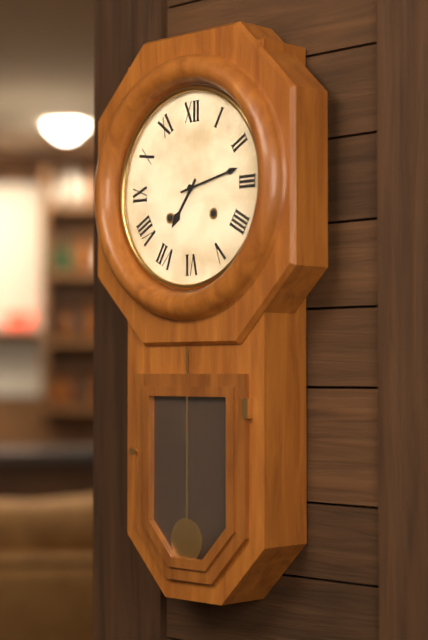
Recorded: h=7 m=13
